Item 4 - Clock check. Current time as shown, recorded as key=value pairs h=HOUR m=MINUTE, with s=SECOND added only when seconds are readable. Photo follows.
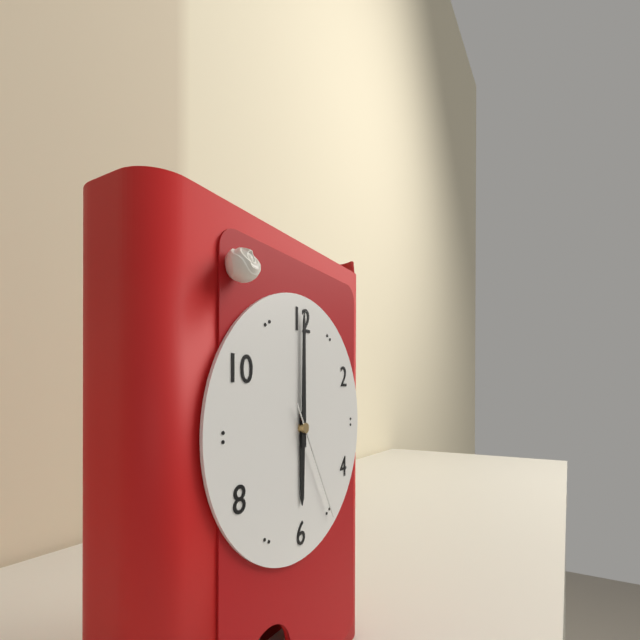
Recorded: h=6 m=0 s=25
